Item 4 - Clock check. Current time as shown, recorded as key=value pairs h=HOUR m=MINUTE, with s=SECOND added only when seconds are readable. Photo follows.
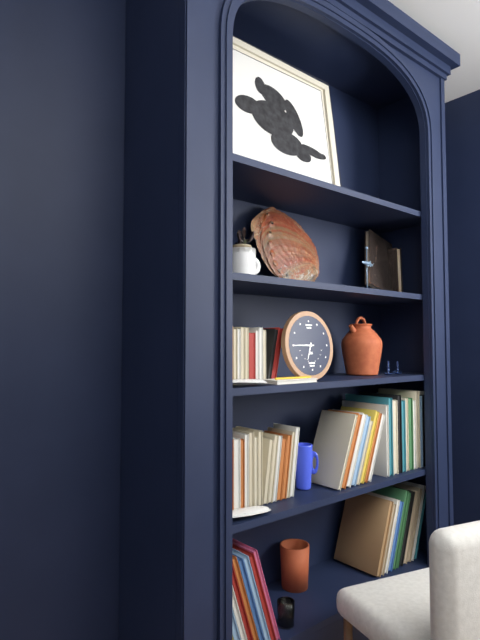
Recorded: h=6 m=45
